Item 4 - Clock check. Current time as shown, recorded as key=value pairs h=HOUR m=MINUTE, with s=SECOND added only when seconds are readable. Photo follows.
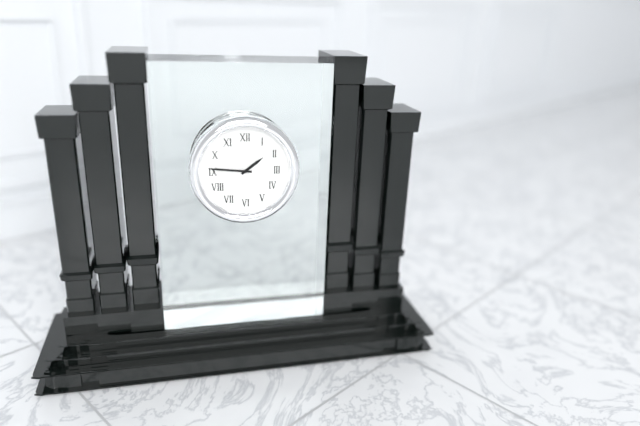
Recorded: h=1 m=46
